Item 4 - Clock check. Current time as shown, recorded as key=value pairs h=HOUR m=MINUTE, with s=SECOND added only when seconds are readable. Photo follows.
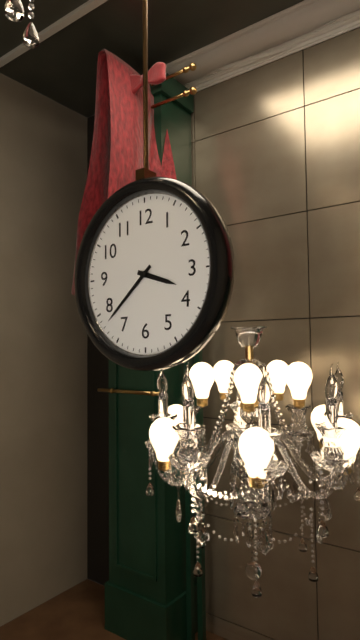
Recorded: h=3 m=38
